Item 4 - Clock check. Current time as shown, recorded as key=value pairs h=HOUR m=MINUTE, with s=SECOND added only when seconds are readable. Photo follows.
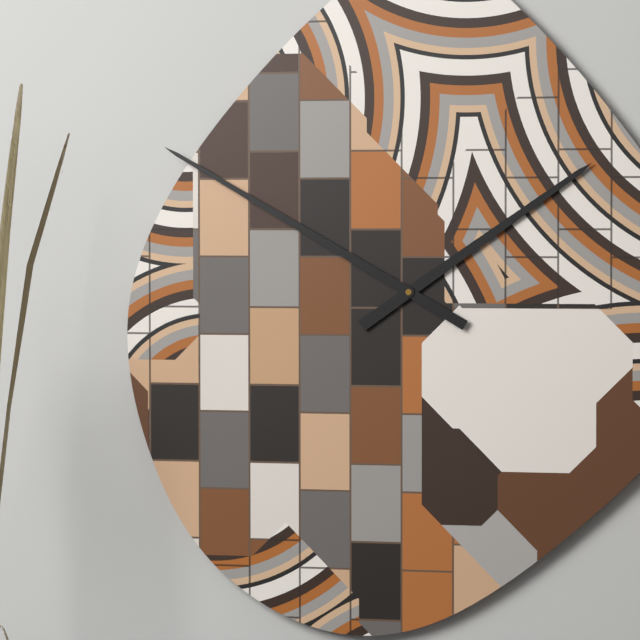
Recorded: h=1 m=50
